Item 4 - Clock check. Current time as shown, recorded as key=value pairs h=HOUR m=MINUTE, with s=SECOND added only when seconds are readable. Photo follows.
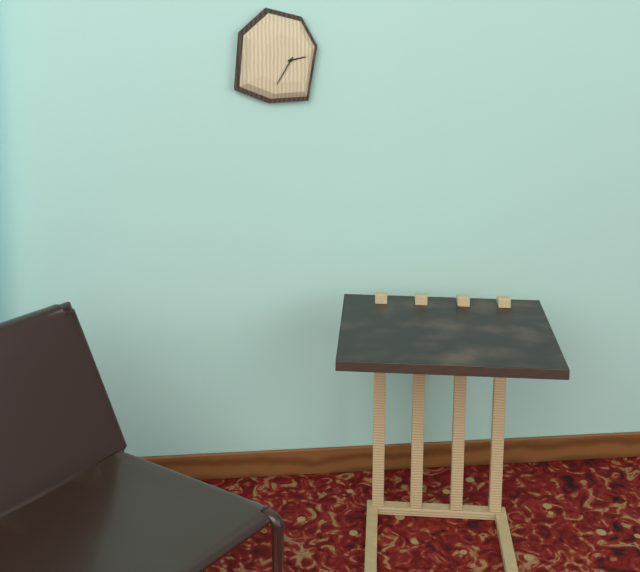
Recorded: h=2 m=35
